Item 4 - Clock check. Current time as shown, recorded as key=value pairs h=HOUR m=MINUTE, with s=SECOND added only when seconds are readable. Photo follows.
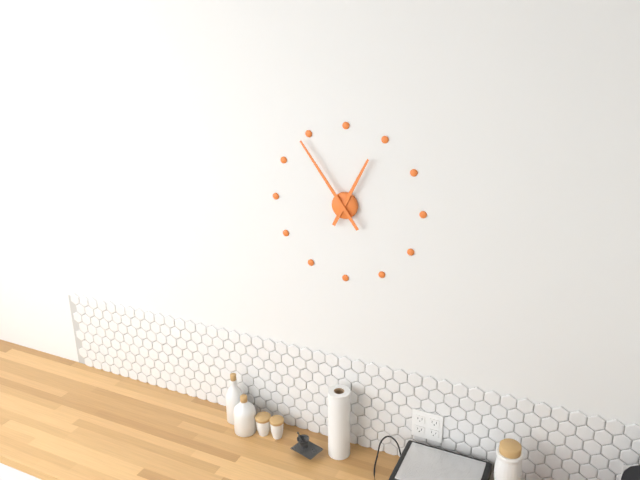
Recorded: h=12 m=54
